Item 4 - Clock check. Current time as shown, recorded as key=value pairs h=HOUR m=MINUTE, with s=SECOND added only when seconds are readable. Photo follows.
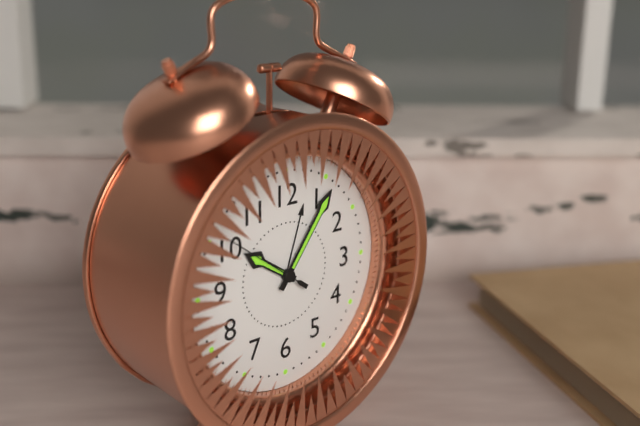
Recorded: h=10 m=6 s=51
